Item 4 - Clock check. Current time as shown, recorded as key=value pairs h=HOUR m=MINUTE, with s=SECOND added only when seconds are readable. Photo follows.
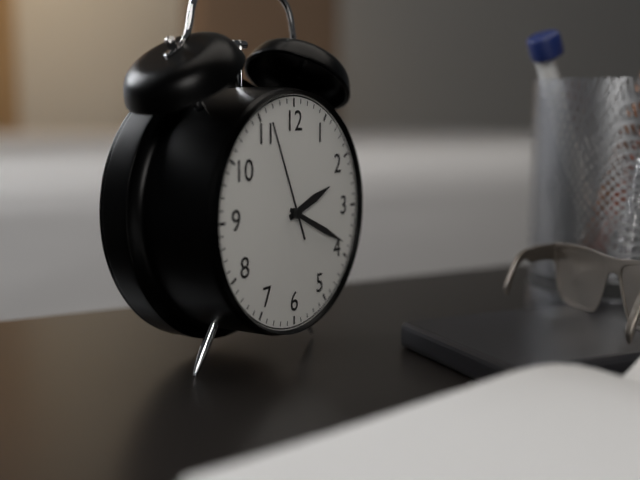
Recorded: h=2 m=19 s=56
